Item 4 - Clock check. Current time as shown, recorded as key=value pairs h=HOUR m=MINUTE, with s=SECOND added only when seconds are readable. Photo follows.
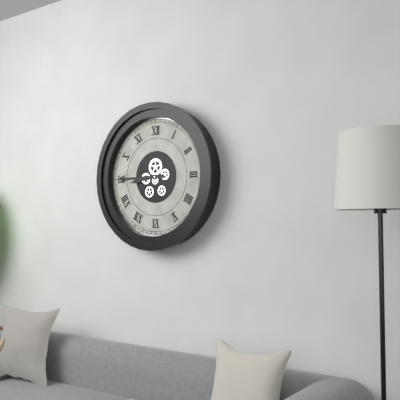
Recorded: h=8 m=45
